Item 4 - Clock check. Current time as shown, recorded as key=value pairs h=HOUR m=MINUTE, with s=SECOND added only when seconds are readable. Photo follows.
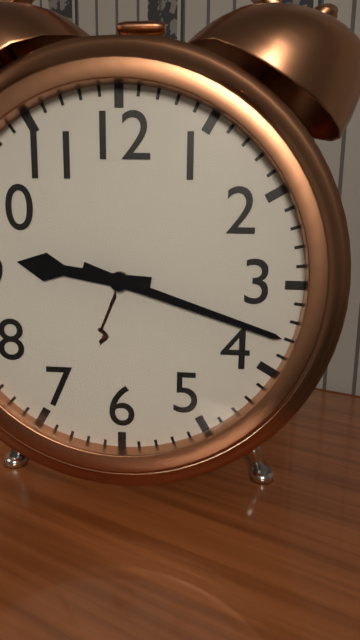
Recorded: h=9 m=18
